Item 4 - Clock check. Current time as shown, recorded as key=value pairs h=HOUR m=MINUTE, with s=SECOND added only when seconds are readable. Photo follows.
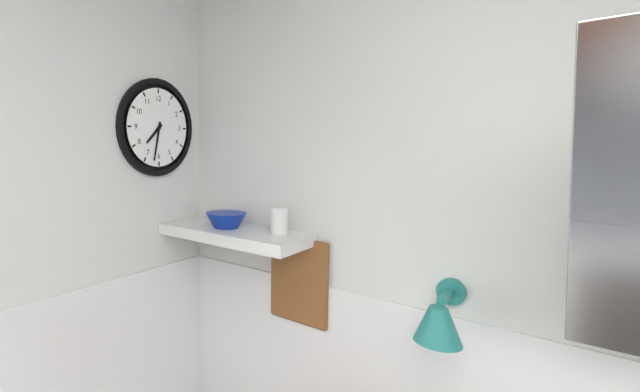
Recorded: h=7 m=32
